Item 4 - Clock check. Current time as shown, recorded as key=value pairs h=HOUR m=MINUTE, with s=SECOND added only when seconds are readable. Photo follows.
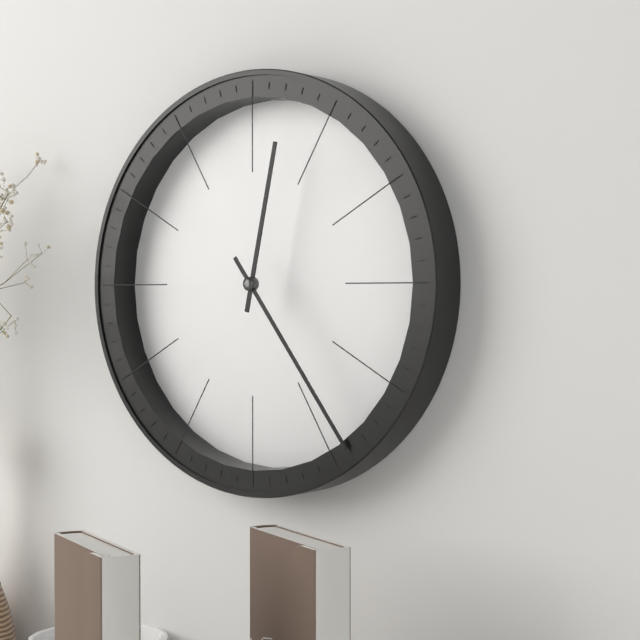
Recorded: h=12 m=24
